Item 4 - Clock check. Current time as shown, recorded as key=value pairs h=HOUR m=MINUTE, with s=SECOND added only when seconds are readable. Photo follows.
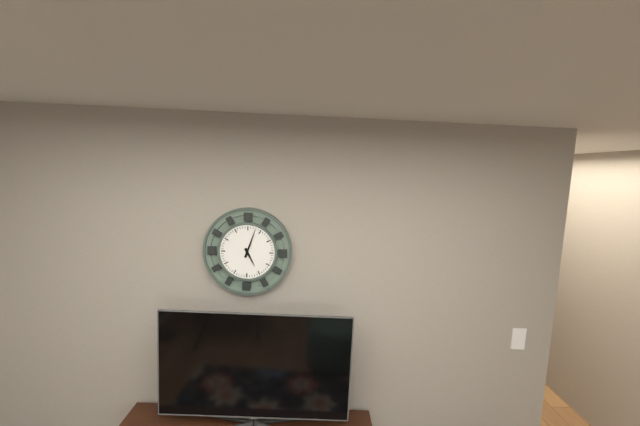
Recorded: h=5 m=3
